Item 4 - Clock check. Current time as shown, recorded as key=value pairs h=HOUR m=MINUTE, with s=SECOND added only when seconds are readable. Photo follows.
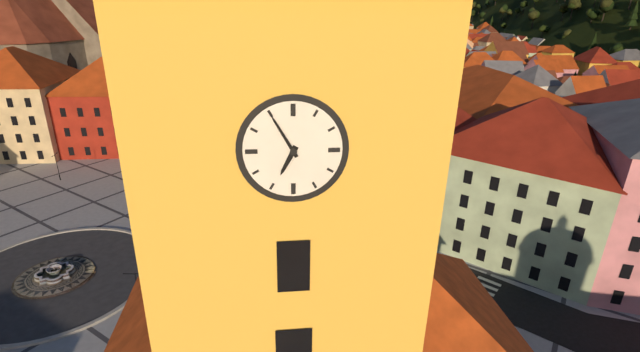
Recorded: h=6 m=55
